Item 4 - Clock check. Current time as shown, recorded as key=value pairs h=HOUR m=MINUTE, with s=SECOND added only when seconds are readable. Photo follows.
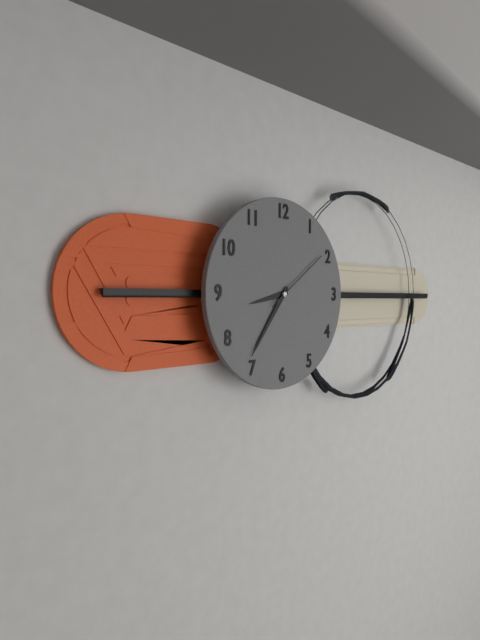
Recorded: h=8 m=36 s=9
